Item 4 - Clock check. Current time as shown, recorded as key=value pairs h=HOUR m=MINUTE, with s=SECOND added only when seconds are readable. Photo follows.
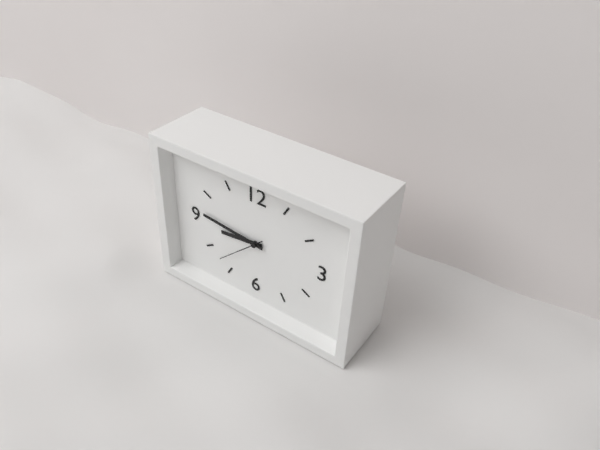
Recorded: h=8 m=46
